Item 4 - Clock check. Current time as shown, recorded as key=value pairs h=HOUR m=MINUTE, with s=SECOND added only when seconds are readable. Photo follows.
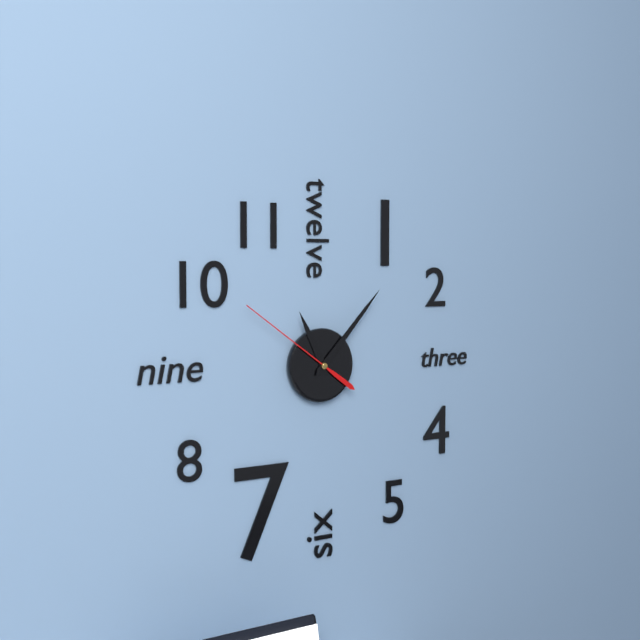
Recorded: h=11 m=7 s=51
